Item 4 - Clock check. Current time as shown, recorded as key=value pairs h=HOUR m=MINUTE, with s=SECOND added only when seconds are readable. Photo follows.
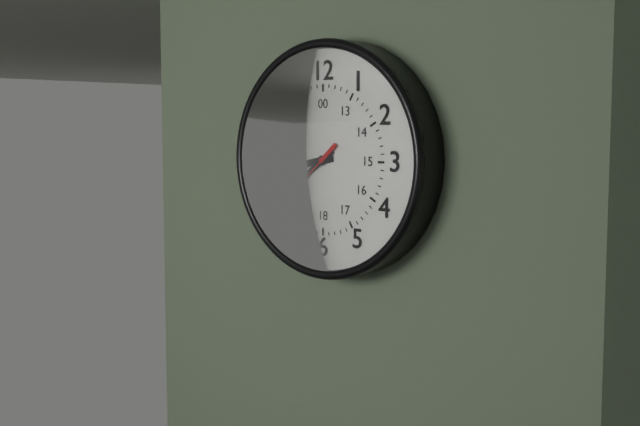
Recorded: h=8 m=39 s=38
